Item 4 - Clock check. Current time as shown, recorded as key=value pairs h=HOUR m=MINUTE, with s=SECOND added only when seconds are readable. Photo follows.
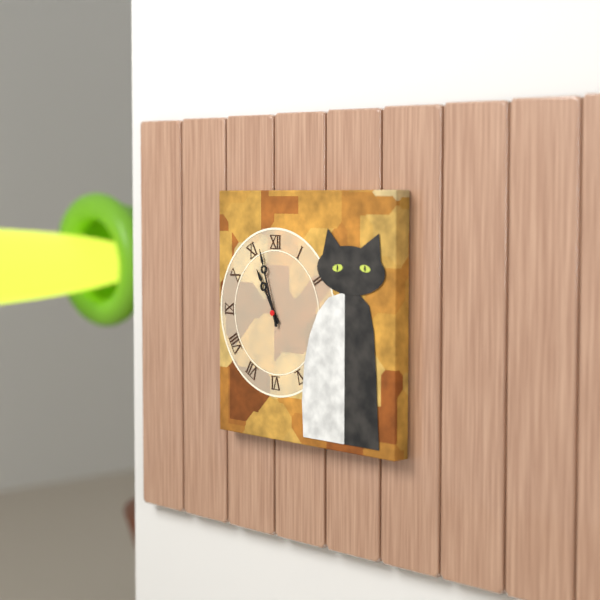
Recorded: h=10 m=57
